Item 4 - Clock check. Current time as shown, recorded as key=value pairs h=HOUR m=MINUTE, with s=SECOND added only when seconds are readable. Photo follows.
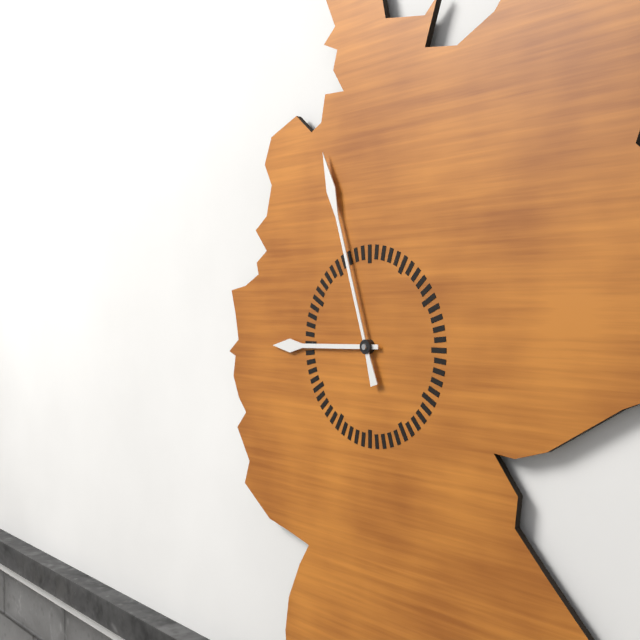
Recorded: h=8 m=57
